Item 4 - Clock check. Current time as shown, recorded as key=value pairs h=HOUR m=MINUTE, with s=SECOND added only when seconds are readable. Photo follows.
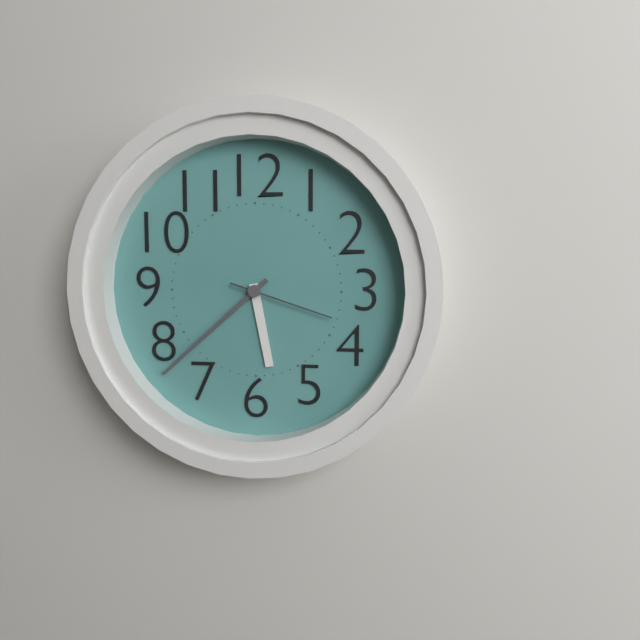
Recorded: h=5 m=38 s=18
